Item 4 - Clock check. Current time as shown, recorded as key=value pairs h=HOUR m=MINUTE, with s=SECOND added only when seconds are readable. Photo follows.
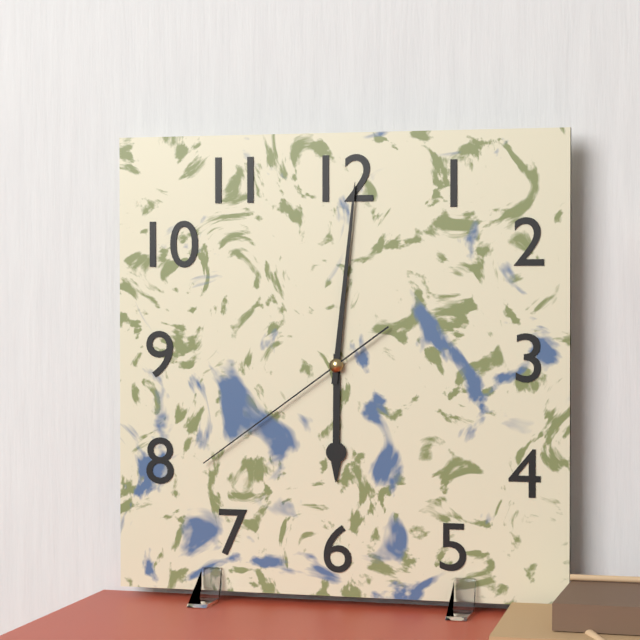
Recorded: h=6 m=1 s=39
